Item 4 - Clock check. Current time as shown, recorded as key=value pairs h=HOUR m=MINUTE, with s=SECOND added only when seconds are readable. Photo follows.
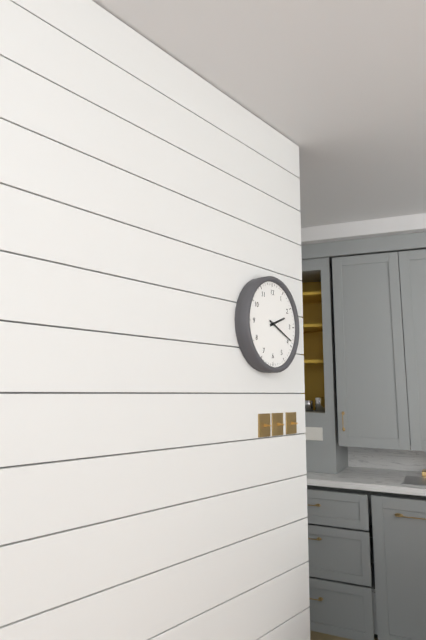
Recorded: h=2 m=19
